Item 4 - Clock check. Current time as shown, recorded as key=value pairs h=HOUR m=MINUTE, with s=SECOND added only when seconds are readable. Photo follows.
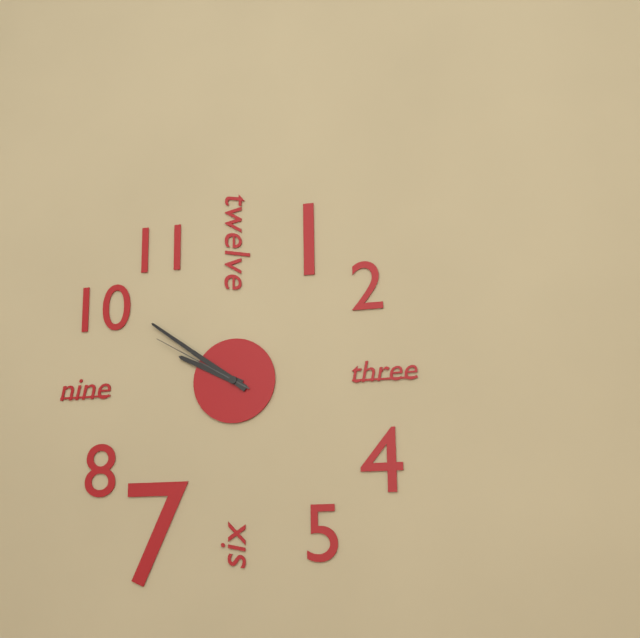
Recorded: h=9 m=51 s=50
